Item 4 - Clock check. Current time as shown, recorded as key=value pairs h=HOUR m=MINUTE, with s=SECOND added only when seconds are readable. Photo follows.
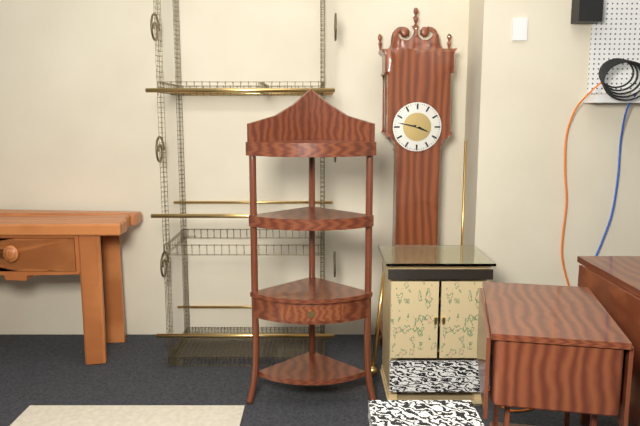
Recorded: h=3 m=47
